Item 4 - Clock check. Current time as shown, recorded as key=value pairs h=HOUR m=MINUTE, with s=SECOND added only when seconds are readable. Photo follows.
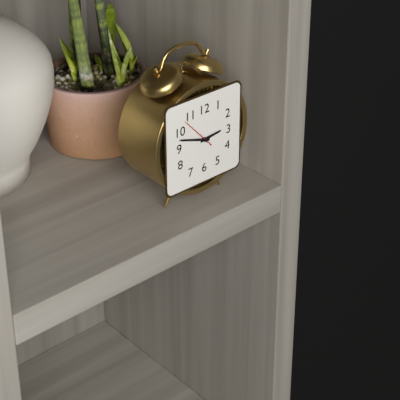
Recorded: h=2 m=48
